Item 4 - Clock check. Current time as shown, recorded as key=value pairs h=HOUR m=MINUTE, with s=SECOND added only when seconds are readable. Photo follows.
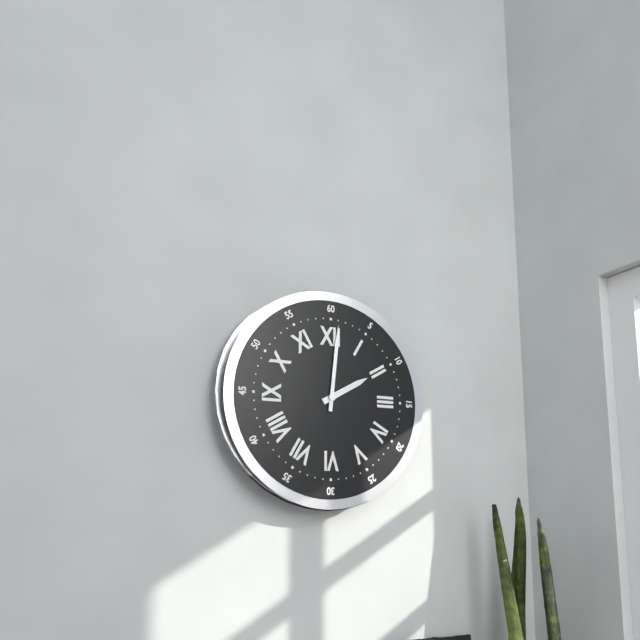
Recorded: h=2 m=1
